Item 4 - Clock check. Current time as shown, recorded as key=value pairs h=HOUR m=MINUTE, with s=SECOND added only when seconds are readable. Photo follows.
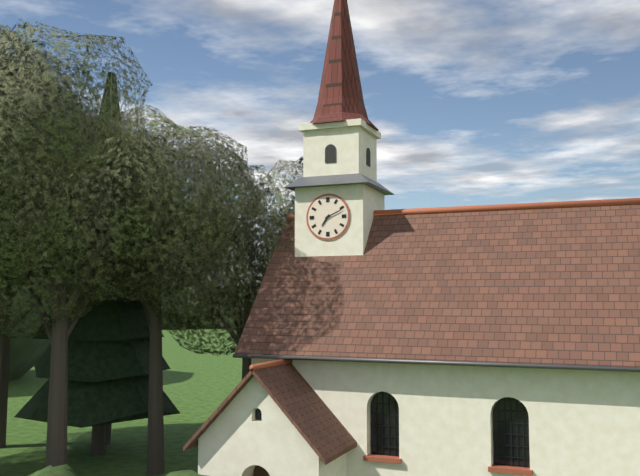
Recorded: h=7 m=11
